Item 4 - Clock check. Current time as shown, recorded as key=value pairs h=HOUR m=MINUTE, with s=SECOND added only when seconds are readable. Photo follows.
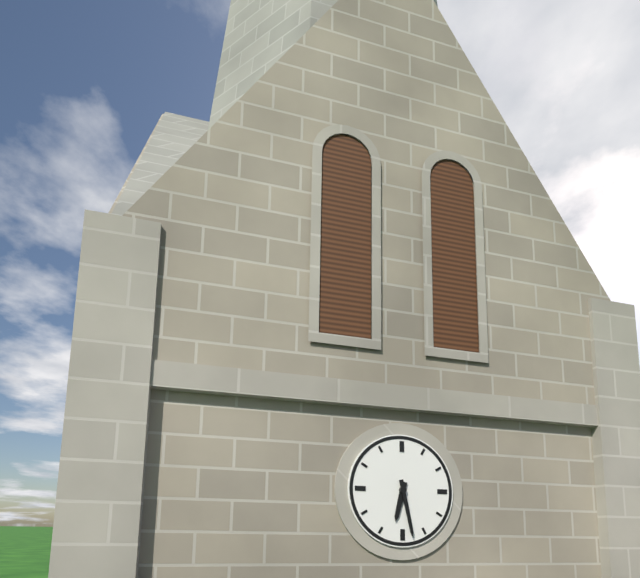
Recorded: h=6 m=28
